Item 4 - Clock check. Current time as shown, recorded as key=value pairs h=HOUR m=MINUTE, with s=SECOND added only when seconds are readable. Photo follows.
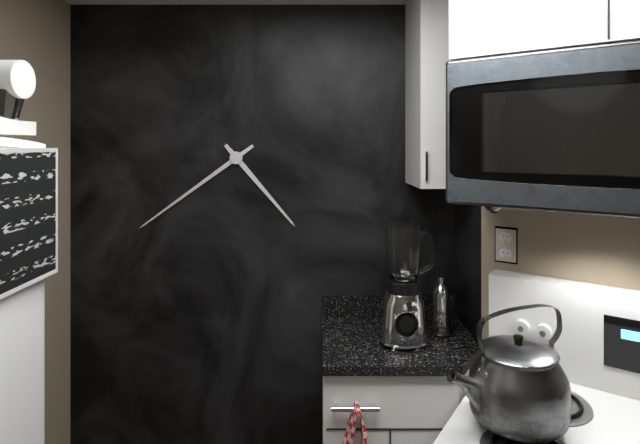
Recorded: h=4 m=39
